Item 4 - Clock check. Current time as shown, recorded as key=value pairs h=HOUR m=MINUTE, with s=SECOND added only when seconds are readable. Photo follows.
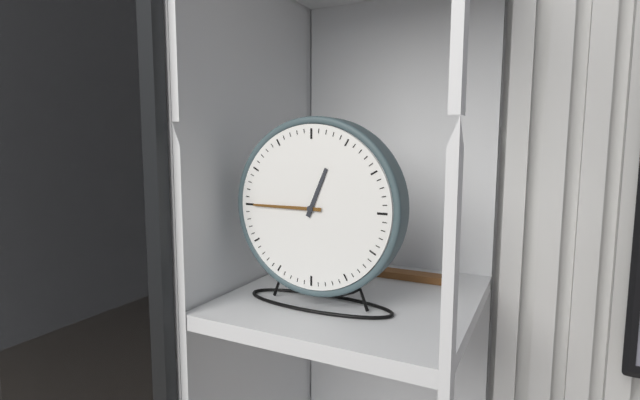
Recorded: h=12 m=45
